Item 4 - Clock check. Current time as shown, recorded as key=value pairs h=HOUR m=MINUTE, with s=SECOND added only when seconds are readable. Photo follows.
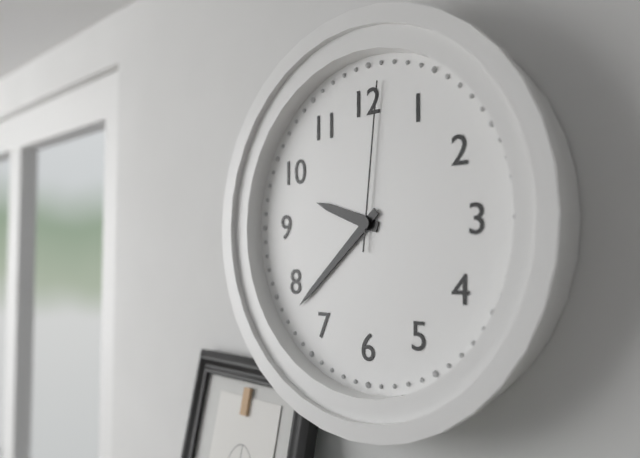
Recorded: h=9 m=38 s=1
